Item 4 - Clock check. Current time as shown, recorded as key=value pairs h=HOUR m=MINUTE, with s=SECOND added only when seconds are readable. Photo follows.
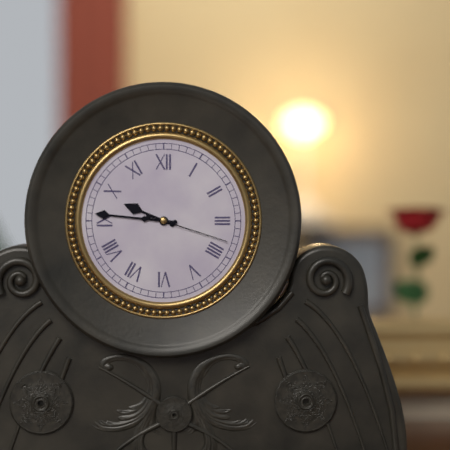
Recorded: h=9 m=46 s=18
